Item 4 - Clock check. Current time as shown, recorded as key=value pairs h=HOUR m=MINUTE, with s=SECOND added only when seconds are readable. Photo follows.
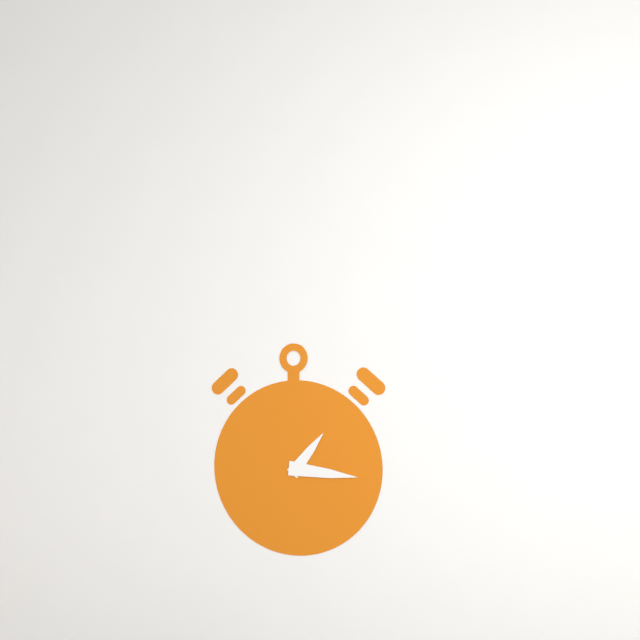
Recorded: h=1 m=16
